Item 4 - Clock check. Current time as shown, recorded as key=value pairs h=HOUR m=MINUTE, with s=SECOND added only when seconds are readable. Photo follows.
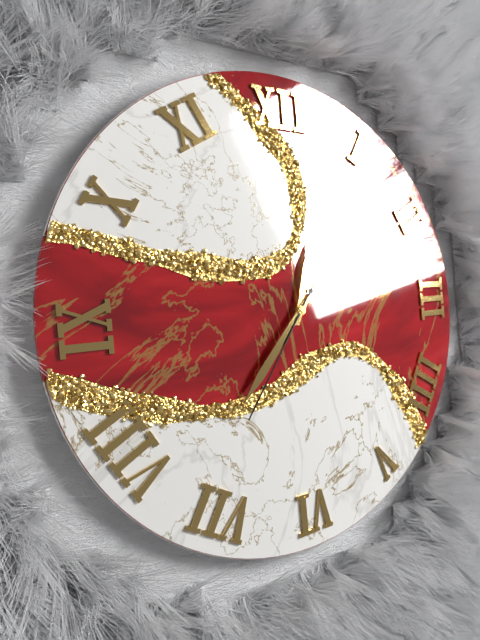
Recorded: h=12 m=37 s=36
